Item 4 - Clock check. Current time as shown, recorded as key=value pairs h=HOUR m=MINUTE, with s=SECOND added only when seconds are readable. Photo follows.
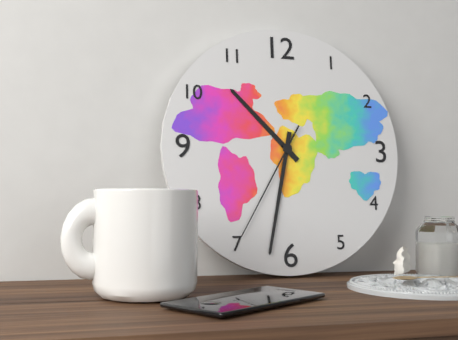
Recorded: h=10 m=32 s=35
